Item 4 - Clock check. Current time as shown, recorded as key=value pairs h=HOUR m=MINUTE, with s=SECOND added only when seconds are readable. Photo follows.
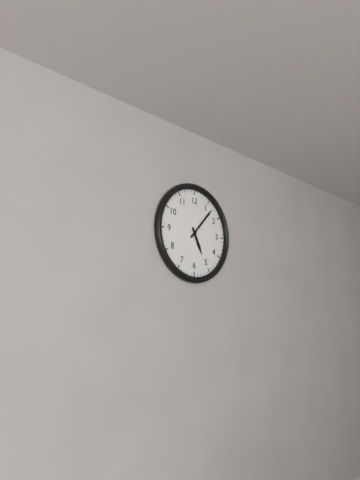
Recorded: h=5 m=7
